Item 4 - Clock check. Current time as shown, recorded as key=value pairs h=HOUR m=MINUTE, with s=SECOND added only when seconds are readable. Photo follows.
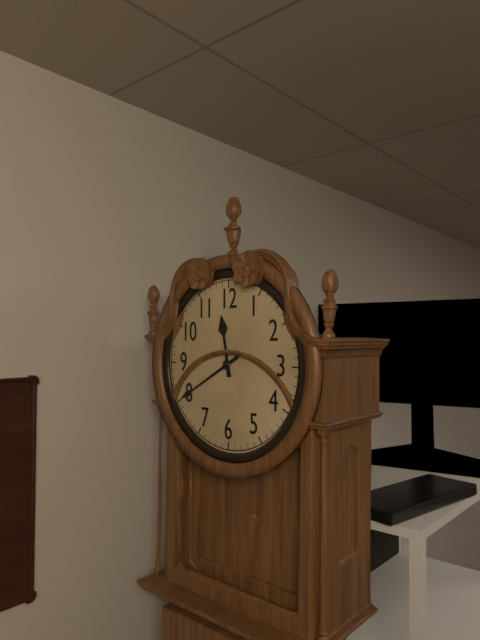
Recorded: h=11 m=40
